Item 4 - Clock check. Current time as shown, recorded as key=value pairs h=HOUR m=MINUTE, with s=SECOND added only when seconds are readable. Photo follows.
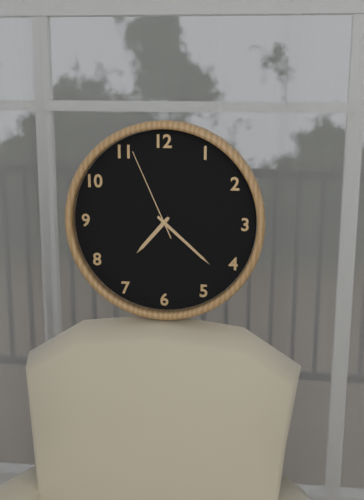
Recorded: h=7 m=22 s=56
